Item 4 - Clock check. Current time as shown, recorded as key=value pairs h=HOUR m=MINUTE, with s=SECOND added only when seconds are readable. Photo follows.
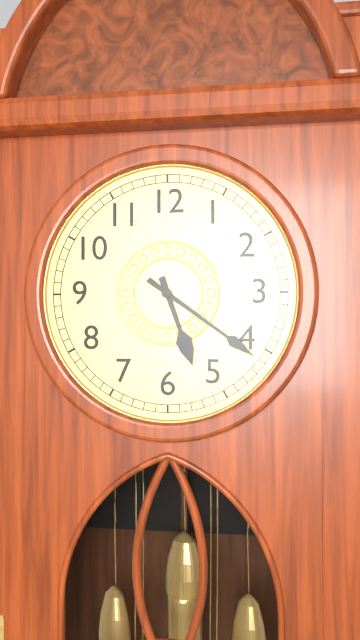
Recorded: h=5 m=21
